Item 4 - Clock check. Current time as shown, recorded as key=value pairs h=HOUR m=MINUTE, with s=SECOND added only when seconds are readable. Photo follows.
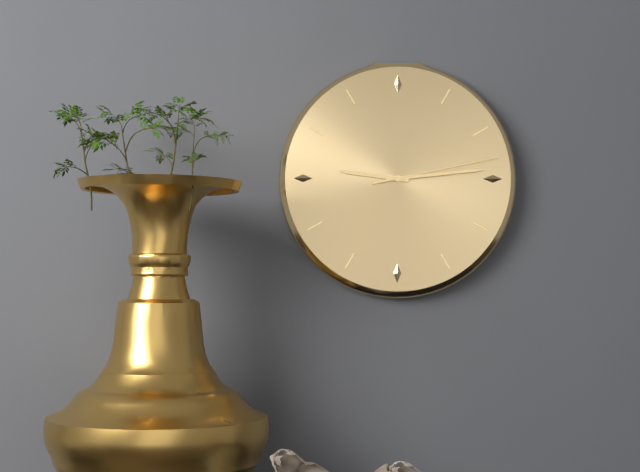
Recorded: h=9 m=14 s=13
